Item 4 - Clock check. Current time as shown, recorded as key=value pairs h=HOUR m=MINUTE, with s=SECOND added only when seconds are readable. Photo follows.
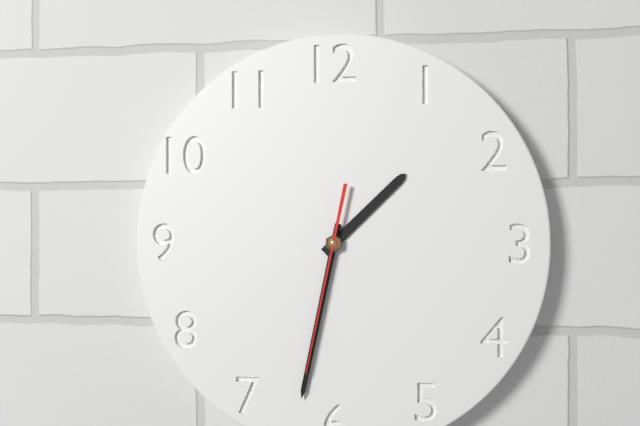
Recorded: h=1 m=32 s=32
